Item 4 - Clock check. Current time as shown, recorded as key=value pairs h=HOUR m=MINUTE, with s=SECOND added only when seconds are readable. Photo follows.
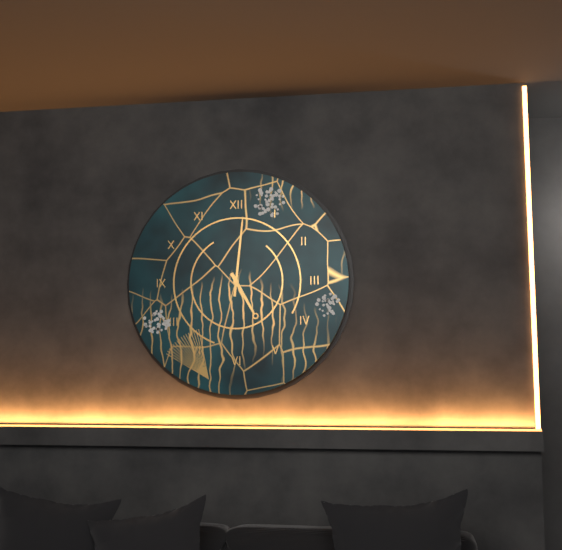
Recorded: h=5 m=1
